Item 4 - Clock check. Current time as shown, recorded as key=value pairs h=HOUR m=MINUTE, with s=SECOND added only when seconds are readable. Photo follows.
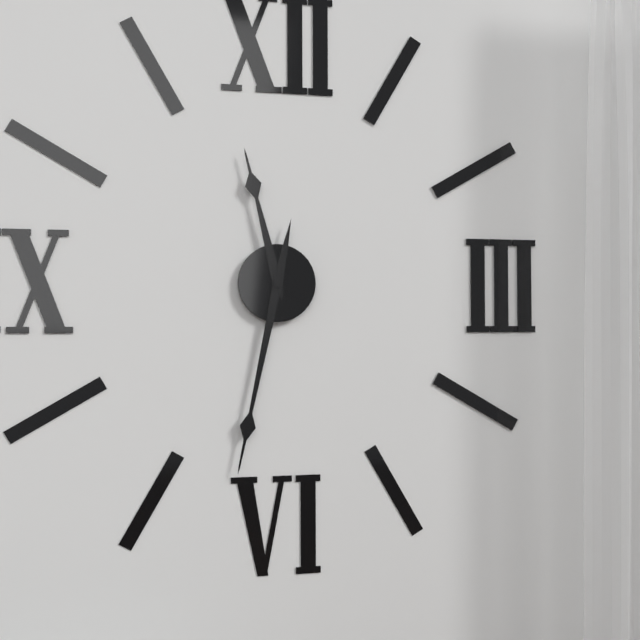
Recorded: h=11 m=32
